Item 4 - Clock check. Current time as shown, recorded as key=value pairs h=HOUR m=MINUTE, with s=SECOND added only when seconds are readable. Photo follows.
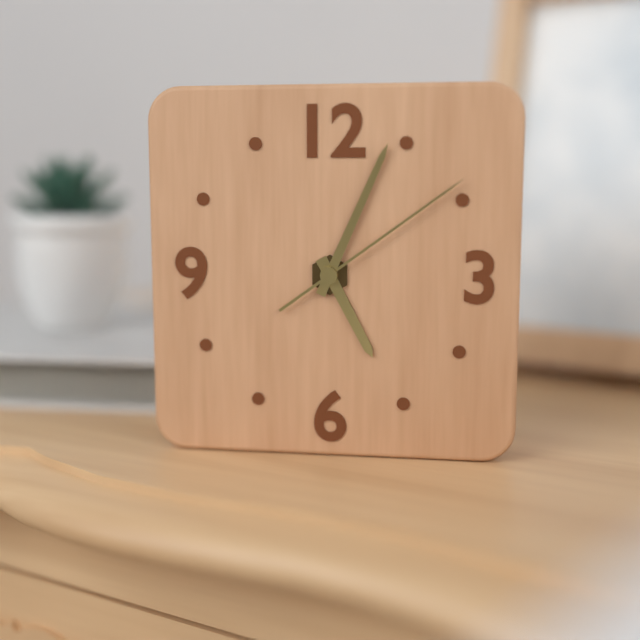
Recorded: h=5 m=4 s=9
